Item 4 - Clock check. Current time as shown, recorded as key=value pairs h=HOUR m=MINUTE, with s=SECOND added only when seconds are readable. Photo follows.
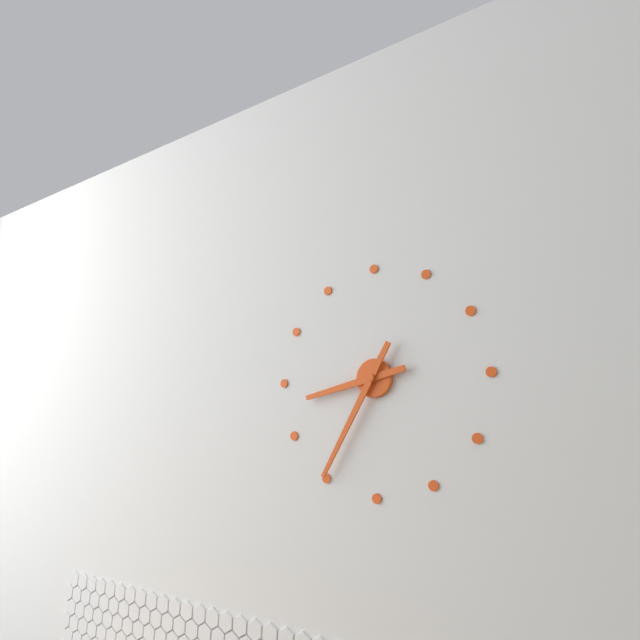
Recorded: h=8 m=35
